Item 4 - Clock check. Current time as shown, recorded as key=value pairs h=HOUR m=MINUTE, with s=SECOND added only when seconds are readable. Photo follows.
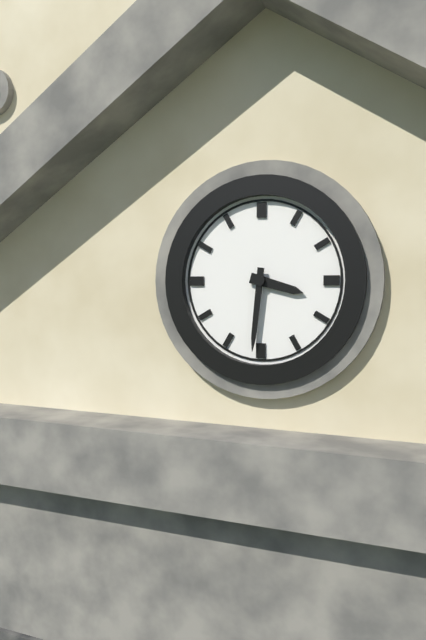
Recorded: h=3 m=31
